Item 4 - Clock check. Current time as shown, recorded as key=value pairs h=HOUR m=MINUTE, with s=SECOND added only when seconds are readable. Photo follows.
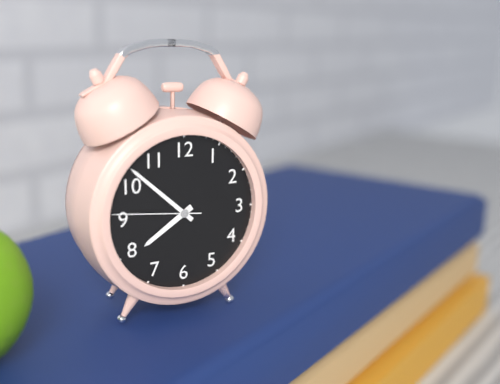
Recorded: h=7 m=52 s=46
